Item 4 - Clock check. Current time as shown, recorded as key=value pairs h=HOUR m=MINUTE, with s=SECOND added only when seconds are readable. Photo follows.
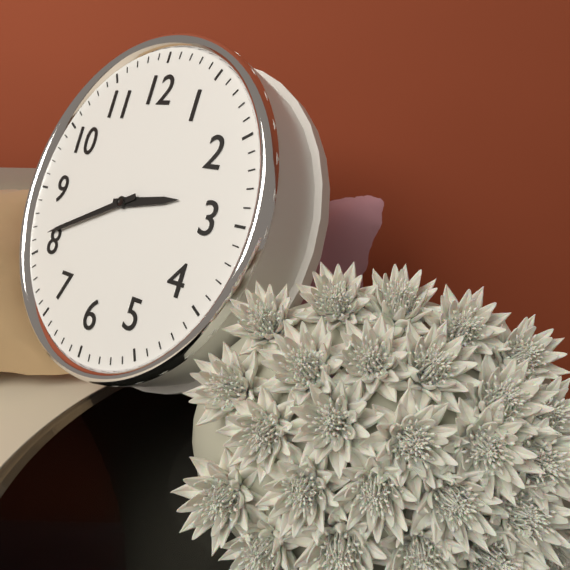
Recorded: h=2 m=41
